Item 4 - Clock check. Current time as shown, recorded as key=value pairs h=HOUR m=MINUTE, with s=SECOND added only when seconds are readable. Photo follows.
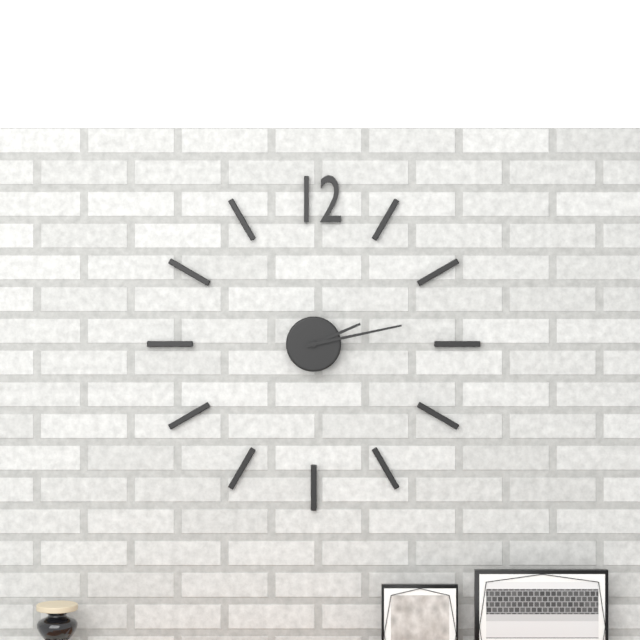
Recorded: h=2 m=13
